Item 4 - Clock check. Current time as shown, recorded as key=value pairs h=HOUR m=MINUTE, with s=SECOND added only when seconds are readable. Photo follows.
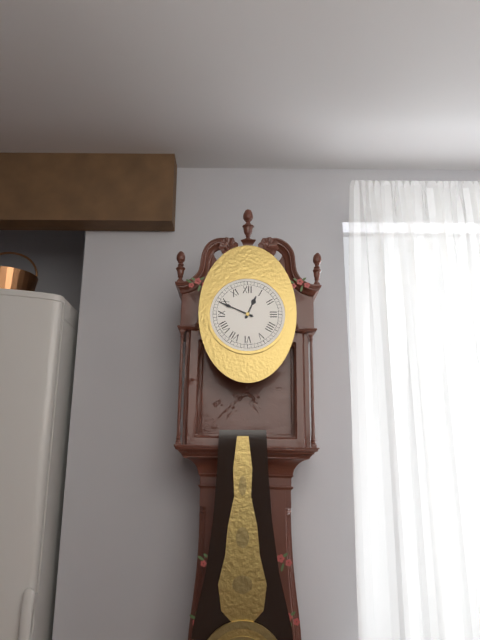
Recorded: h=12 m=49
